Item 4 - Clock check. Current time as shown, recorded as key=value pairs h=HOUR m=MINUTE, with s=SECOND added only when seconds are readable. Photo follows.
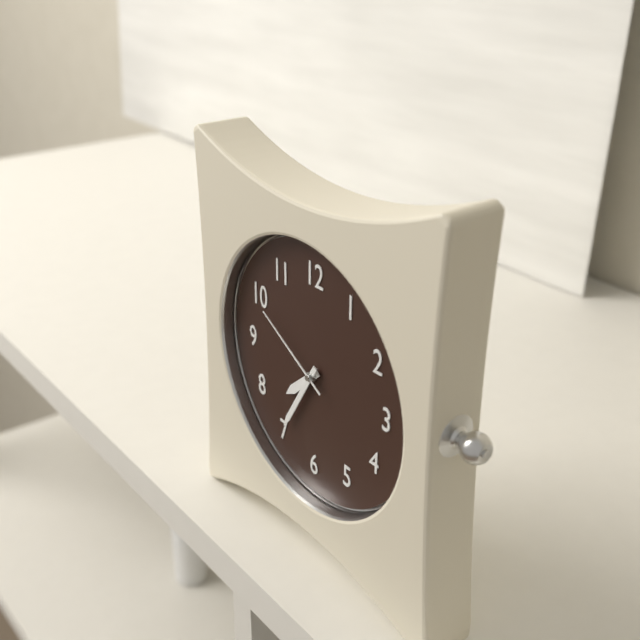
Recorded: h=7 m=35 s=50
